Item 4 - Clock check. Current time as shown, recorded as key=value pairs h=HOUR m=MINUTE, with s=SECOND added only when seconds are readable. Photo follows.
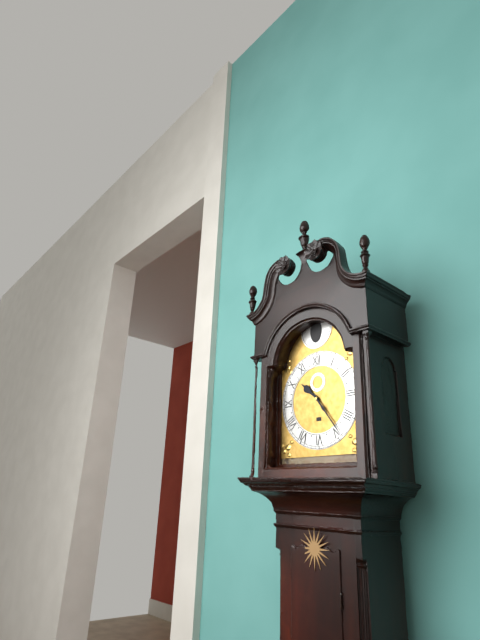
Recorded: h=10 m=24
